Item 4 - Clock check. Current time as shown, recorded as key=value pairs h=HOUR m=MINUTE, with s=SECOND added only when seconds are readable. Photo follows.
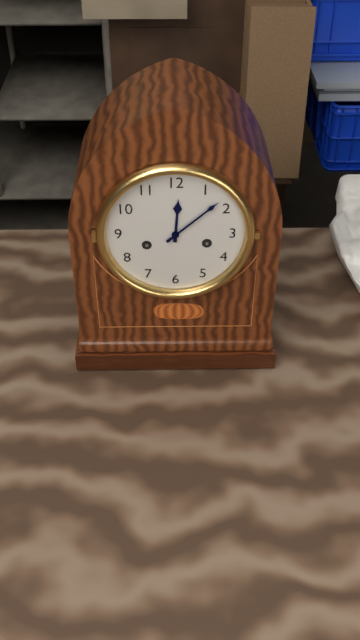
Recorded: h=12 m=8
